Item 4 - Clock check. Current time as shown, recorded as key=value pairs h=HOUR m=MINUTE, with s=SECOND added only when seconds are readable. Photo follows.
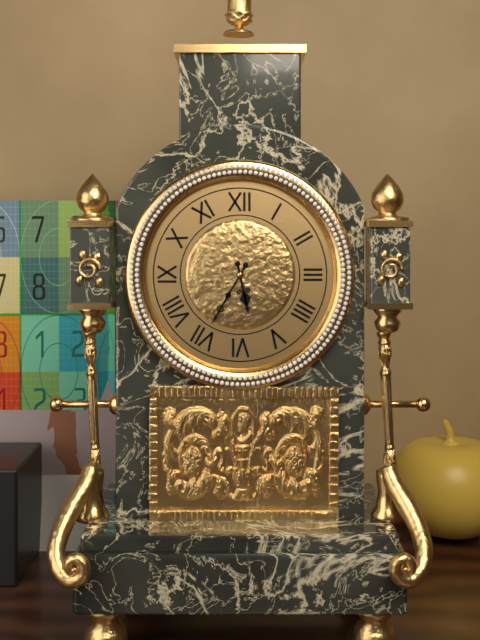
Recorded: h=5 m=35
